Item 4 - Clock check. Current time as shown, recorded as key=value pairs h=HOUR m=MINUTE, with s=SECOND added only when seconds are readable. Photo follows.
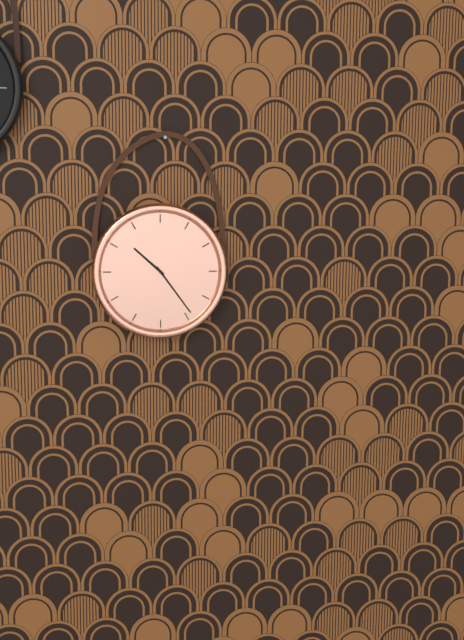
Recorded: h=10 m=24
